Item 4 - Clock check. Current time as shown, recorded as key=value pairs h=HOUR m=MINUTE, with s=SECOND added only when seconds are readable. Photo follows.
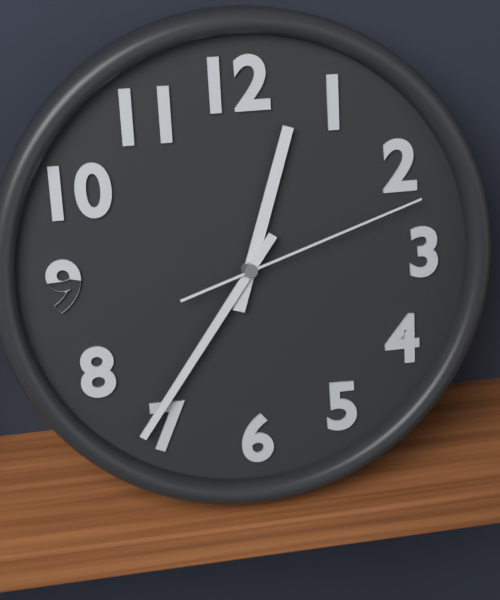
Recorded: h=12 m=36 s=12
